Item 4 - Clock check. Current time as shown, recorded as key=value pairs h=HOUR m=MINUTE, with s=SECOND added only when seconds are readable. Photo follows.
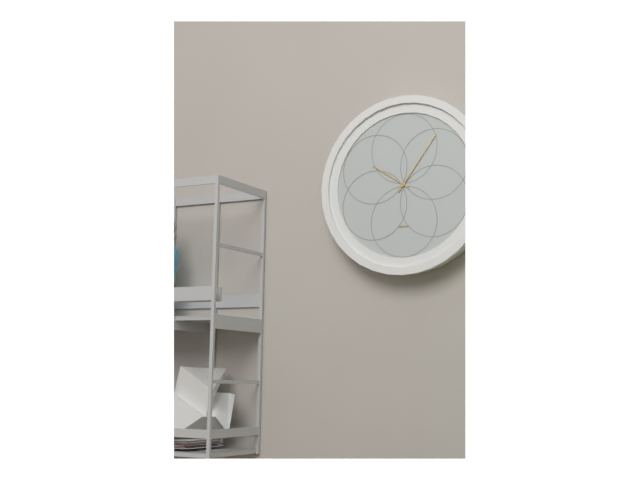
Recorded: h=10 m=6
